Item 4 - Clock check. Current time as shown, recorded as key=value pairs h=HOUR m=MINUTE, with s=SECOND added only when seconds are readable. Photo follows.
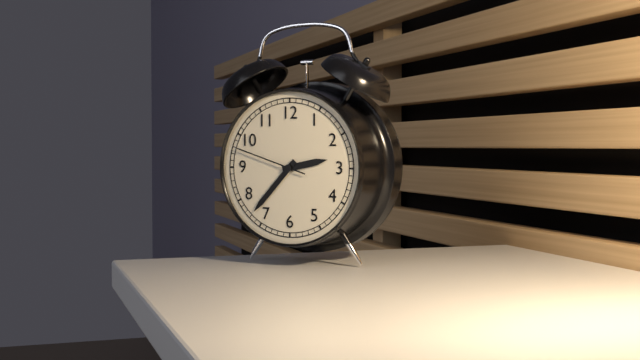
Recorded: h=2 m=37 s=48
